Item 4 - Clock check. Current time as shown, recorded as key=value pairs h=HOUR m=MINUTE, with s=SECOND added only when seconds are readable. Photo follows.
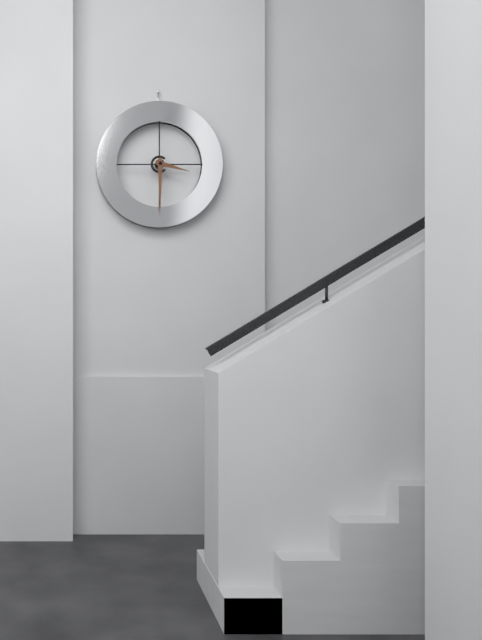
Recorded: h=3 m=30
